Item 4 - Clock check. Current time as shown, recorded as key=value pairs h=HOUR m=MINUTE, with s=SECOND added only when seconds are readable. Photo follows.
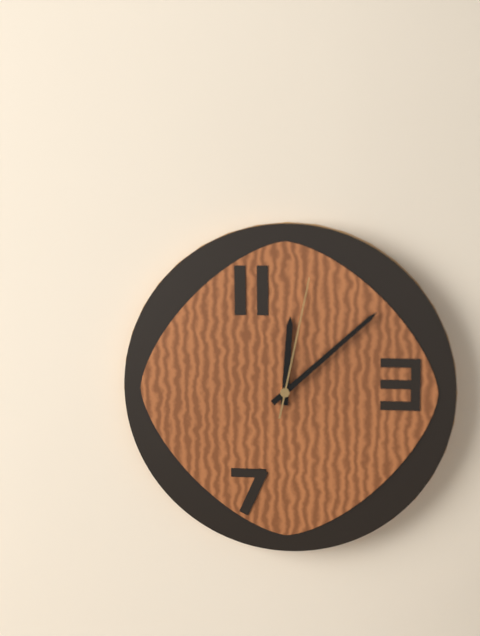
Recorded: h=12 m=8 s=2
